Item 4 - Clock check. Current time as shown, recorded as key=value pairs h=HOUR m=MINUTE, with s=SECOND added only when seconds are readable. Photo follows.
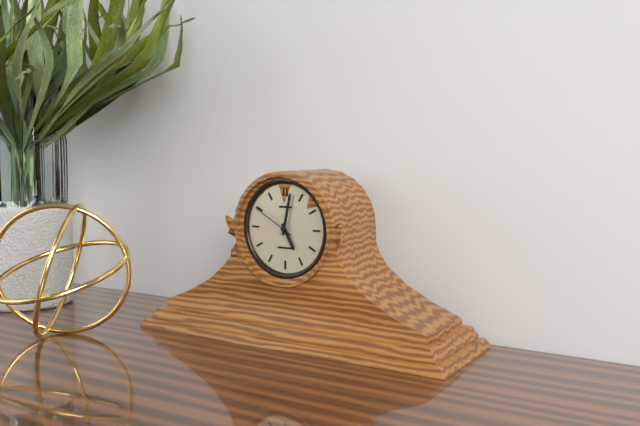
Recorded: h=5 m=2
